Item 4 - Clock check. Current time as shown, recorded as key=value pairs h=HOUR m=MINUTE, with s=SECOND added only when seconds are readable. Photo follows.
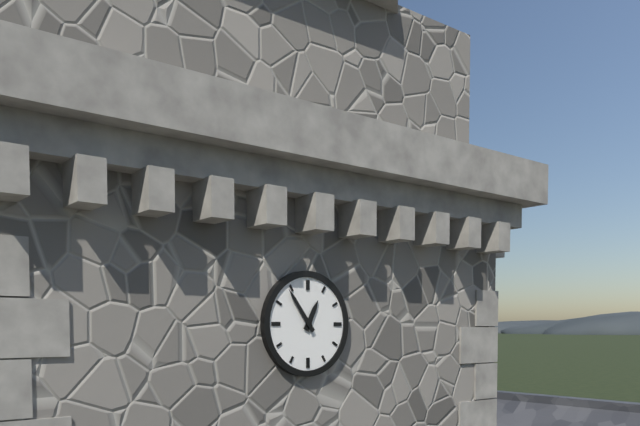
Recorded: h=12 m=54
